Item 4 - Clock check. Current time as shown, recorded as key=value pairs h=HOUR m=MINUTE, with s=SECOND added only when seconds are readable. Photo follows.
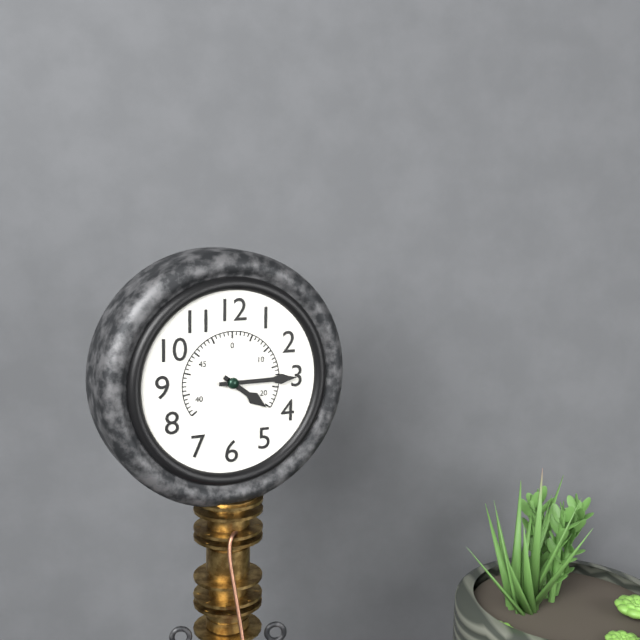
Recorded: h=4 m=15
